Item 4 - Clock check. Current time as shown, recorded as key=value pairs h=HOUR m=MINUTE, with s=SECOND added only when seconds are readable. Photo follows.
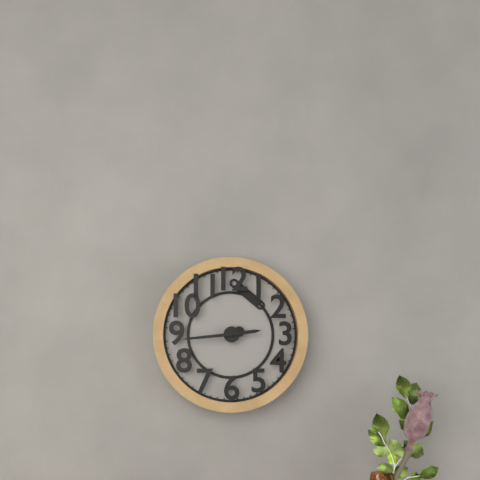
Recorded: h=2 m=44
